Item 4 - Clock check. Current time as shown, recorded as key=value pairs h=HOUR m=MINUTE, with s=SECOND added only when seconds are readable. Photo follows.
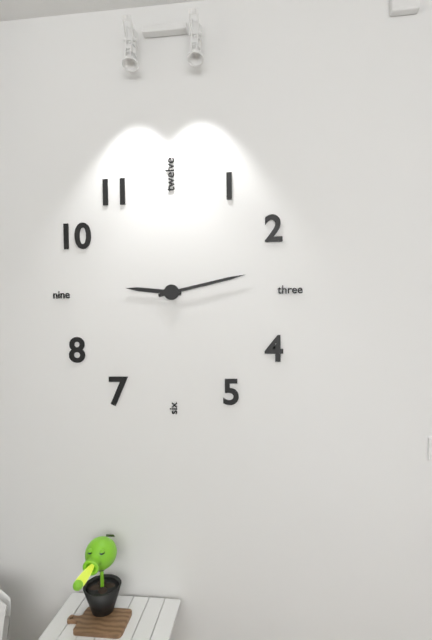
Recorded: h=9 m=13
